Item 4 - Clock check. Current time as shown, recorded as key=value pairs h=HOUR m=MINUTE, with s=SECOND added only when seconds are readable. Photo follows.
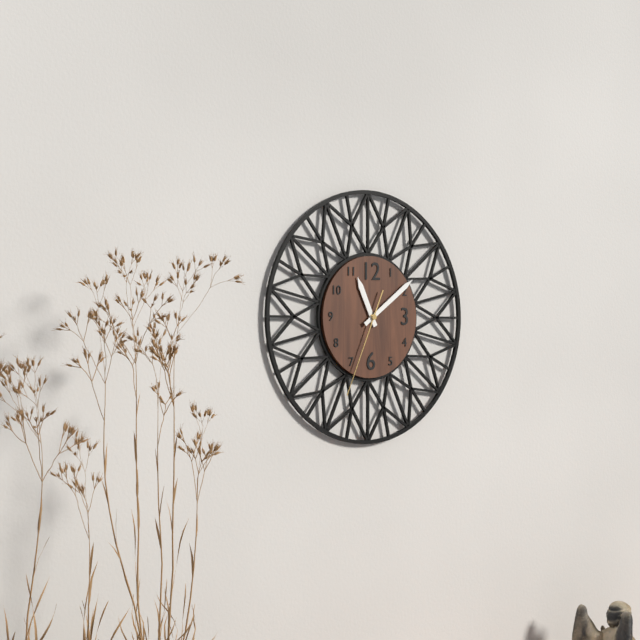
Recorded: h=11 m=9 s=34
